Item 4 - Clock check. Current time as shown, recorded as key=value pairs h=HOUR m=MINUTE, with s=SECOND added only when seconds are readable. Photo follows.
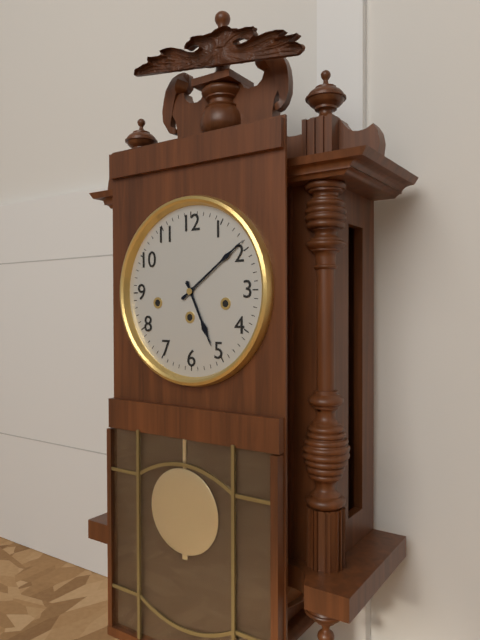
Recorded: h=5 m=9
